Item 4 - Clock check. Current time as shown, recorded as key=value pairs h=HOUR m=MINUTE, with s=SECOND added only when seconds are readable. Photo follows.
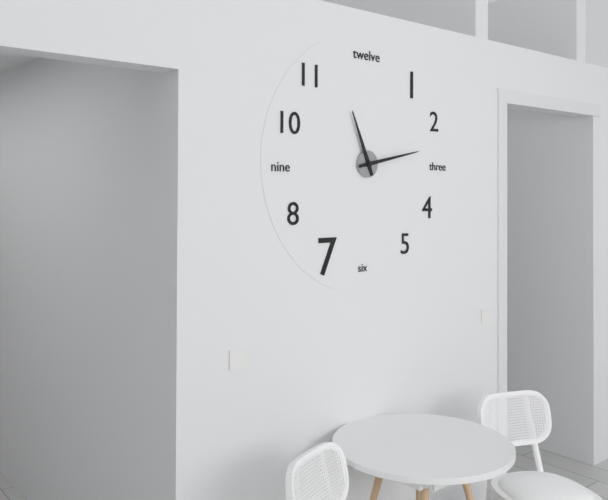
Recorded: h=11 m=13
